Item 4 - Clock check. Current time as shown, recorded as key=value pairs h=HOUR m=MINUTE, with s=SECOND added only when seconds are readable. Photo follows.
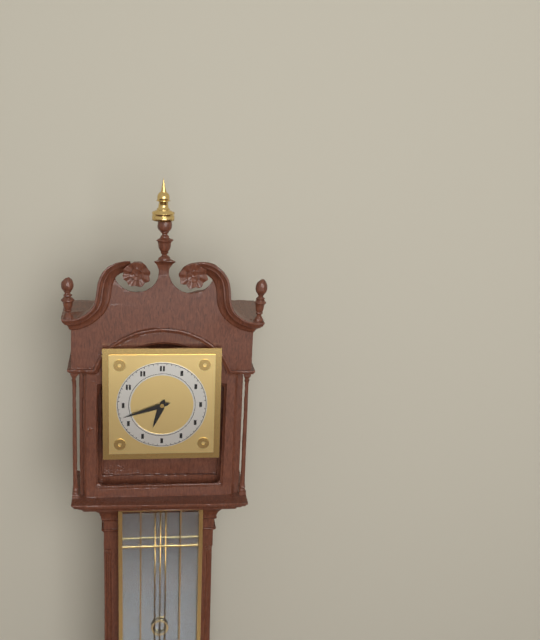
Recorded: h=6 m=42
